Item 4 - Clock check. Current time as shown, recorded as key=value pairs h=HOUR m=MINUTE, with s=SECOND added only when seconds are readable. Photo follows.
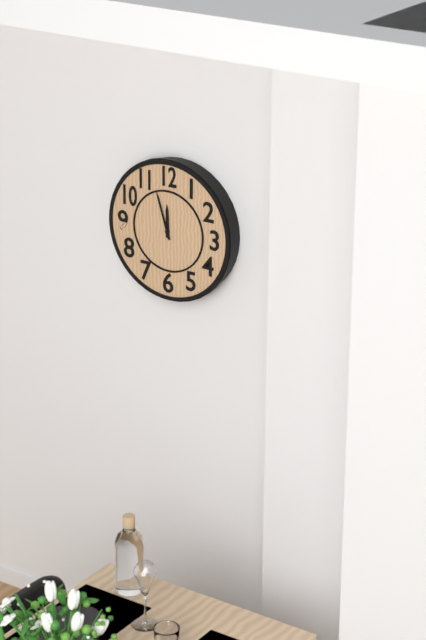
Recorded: h=11 m=57
